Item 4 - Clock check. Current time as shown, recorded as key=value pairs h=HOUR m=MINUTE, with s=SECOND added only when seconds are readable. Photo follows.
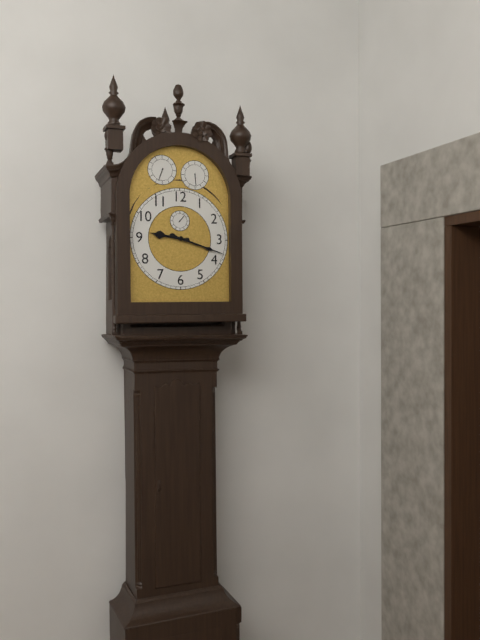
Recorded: h=9 m=18
